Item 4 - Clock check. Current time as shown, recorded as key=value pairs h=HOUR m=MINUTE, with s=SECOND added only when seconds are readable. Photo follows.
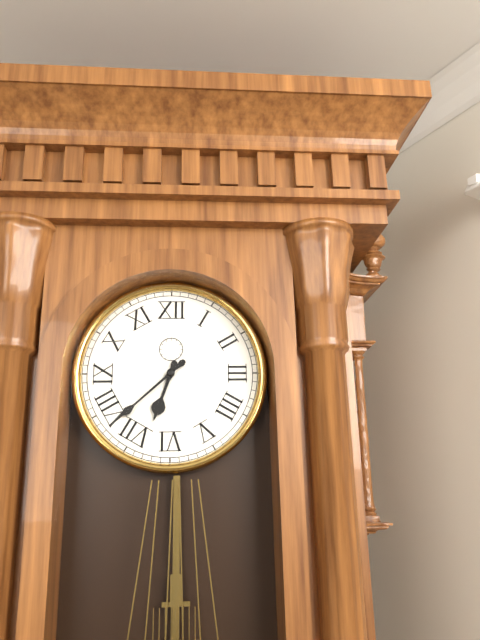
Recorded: h=6 m=38
